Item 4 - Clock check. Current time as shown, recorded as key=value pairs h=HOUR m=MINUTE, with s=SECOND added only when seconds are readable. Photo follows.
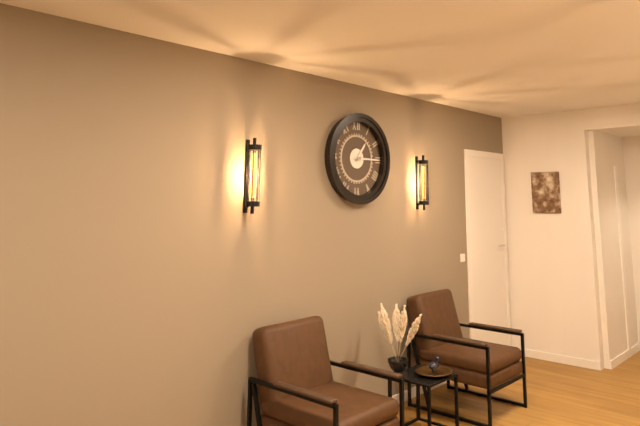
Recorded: h=1 m=15
